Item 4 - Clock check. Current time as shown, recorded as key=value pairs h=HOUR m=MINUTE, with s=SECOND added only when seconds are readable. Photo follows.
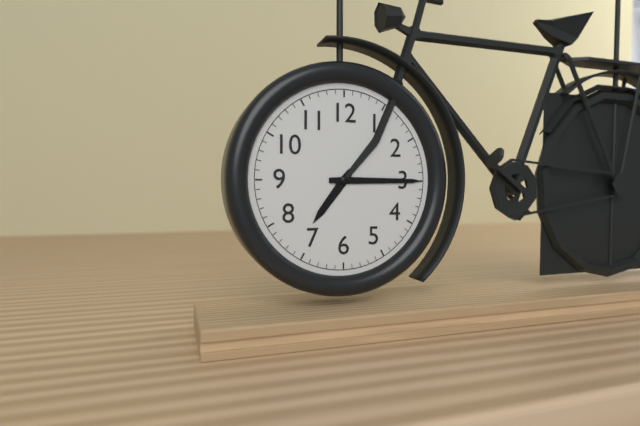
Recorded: h=7 m=15
